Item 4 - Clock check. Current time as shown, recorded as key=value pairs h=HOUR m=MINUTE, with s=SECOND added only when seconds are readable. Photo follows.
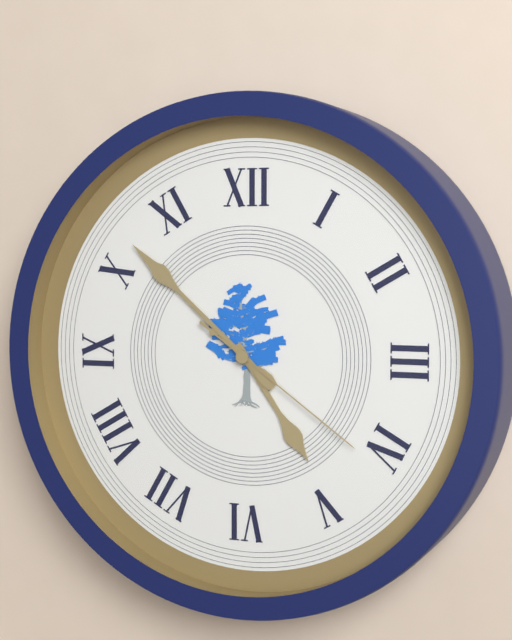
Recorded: h=4 m=52 s=21
